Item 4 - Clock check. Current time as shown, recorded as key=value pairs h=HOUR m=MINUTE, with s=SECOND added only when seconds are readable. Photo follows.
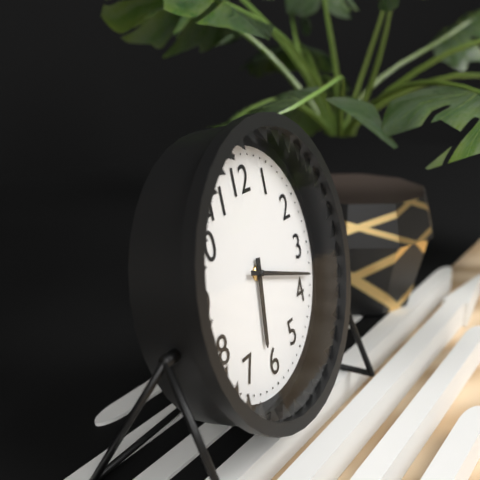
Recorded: h=6 m=18
